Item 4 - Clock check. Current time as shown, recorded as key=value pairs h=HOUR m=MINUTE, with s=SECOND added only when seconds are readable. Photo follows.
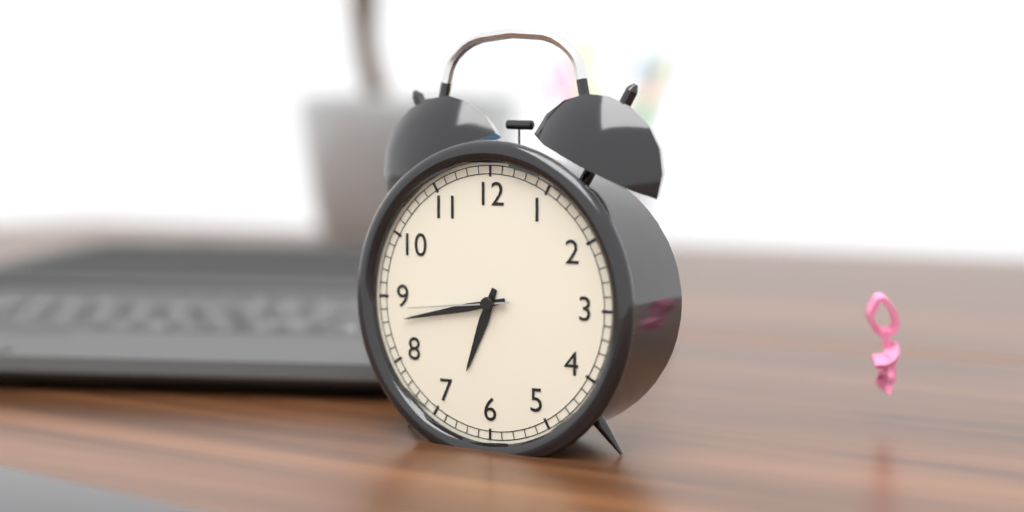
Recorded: h=6 m=43 s=44
